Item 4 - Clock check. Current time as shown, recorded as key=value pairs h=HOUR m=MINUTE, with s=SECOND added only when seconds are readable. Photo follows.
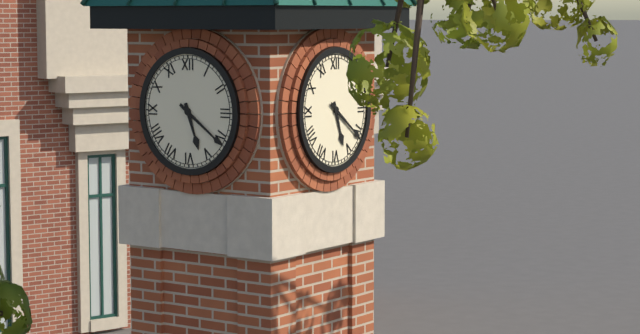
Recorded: h=5 m=21
